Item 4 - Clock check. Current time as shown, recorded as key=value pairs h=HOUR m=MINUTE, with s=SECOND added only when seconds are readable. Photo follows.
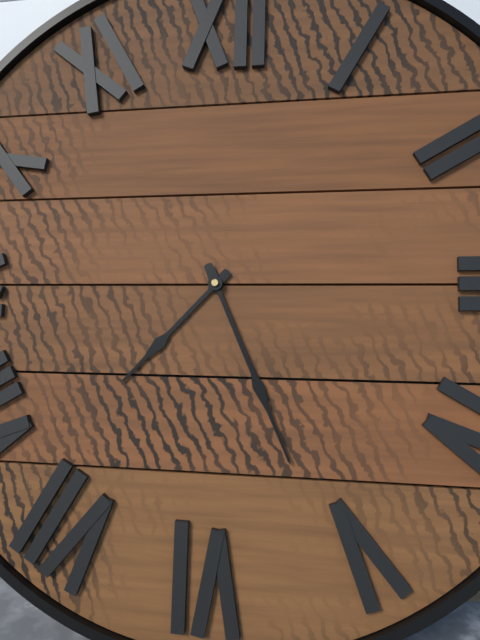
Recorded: h=7 m=26
